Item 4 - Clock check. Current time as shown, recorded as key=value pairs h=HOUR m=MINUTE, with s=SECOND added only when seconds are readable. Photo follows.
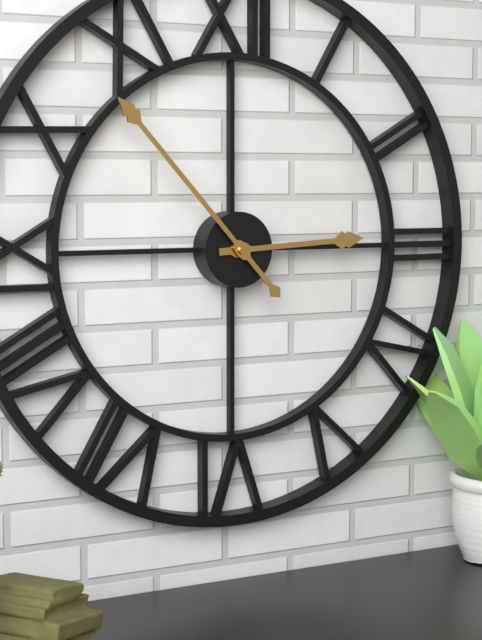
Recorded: h=2 m=53
